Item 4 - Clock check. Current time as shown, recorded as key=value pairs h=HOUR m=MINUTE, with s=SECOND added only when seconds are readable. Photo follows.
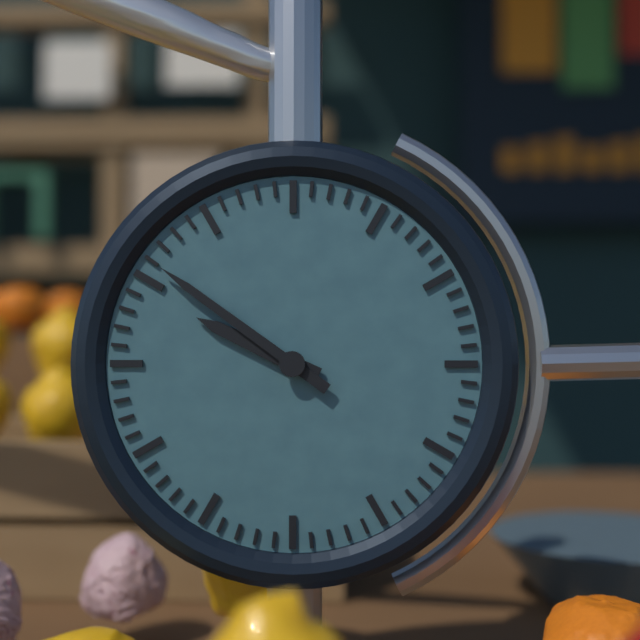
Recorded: h=9 m=51
